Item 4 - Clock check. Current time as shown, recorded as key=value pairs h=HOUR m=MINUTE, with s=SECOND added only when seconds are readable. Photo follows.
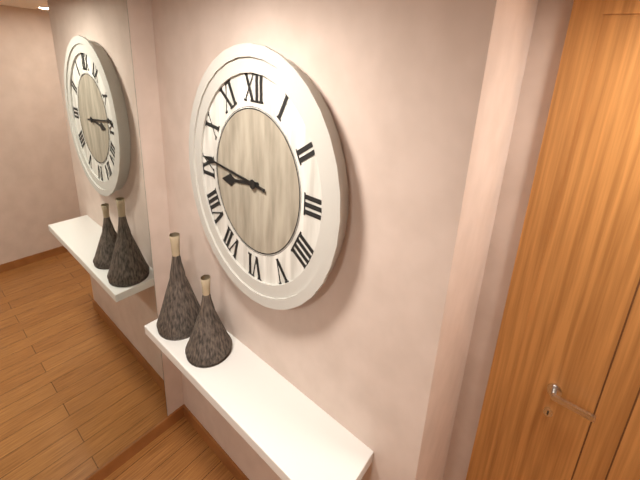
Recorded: h=8 m=46
